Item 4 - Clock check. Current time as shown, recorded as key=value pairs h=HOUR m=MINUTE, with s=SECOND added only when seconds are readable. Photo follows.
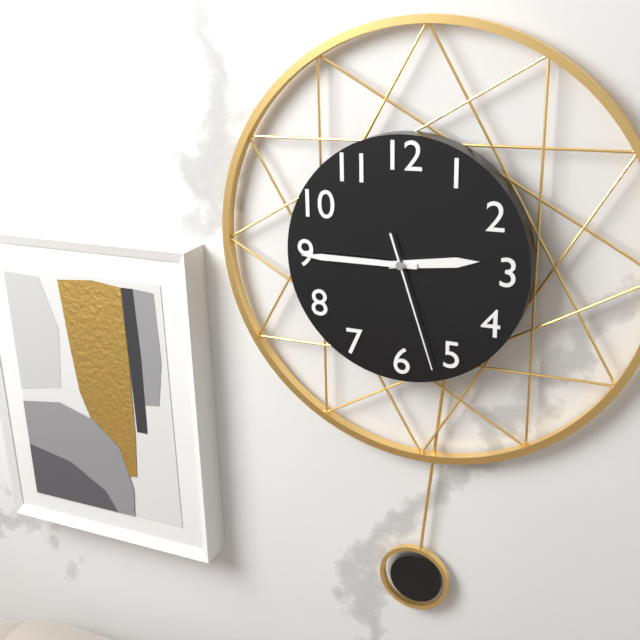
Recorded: h=2 m=45 s=27
